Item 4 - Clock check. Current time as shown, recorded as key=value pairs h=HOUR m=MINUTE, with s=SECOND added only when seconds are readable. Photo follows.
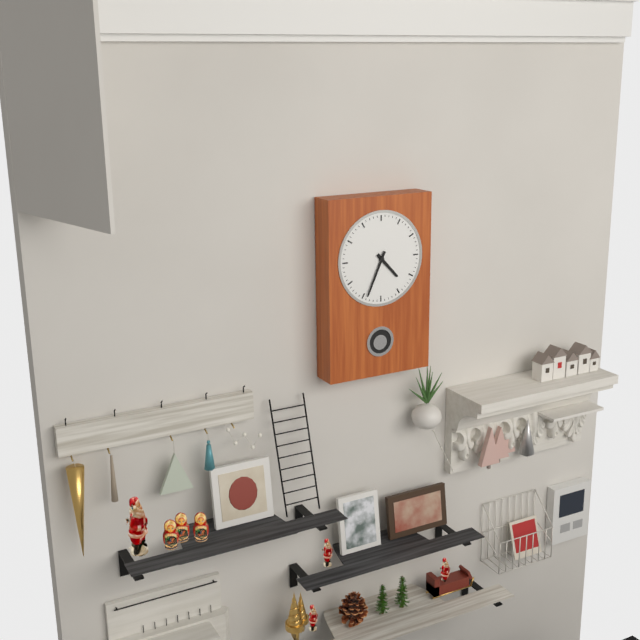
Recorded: h=4 m=34
